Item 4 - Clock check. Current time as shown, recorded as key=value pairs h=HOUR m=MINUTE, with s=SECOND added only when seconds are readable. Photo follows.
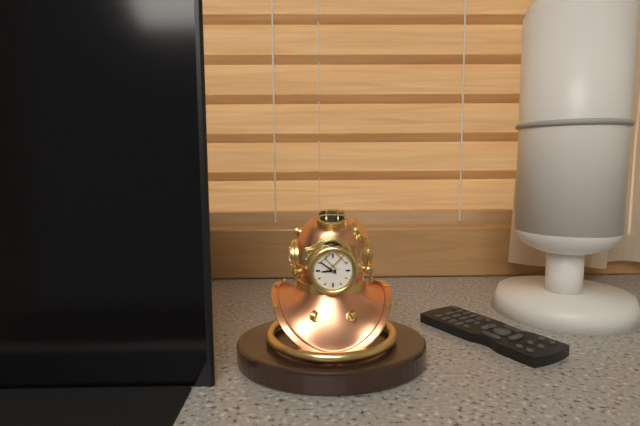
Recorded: h=8 m=51
